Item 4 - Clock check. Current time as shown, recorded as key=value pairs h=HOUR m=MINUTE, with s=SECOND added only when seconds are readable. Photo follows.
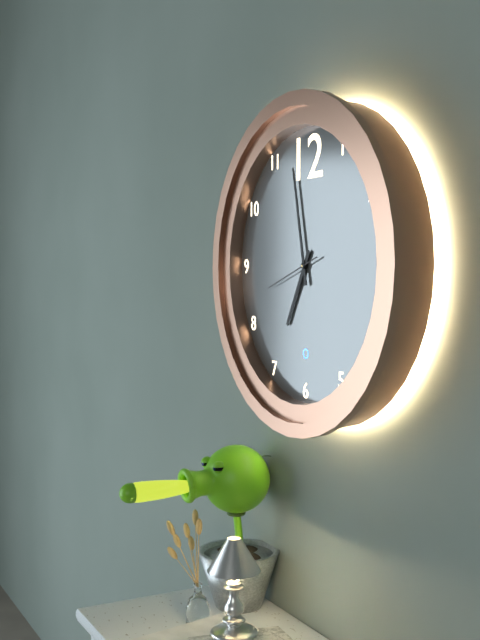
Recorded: h=6 m=58 s=42
